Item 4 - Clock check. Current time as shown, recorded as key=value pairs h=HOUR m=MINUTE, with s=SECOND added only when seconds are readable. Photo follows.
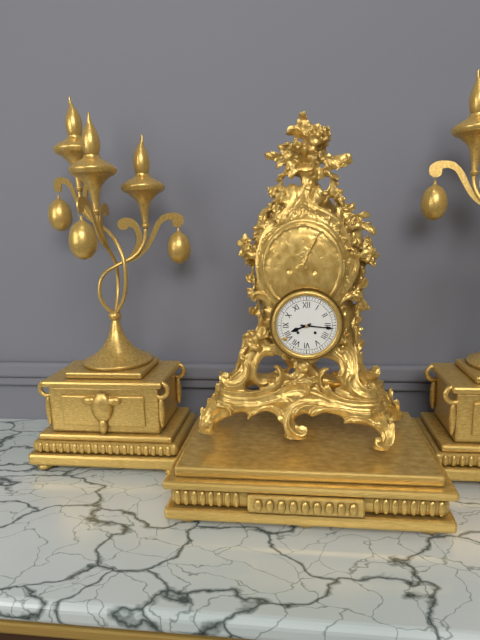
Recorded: h=8 m=16
